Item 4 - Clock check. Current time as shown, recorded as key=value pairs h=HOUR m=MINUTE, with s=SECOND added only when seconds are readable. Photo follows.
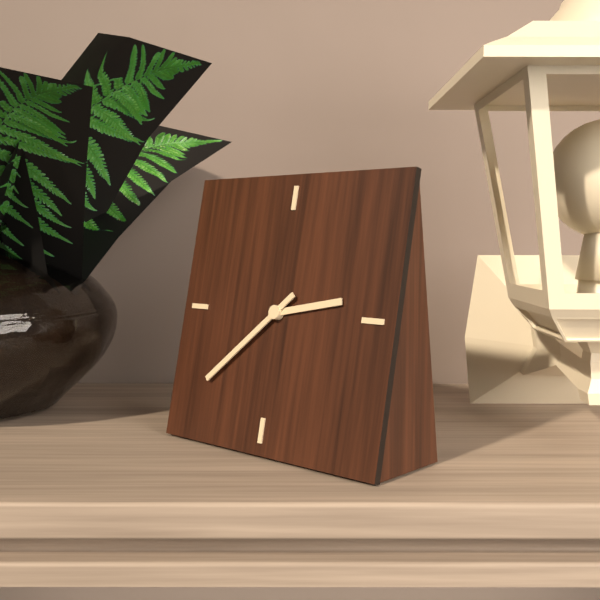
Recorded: h=2 m=38
